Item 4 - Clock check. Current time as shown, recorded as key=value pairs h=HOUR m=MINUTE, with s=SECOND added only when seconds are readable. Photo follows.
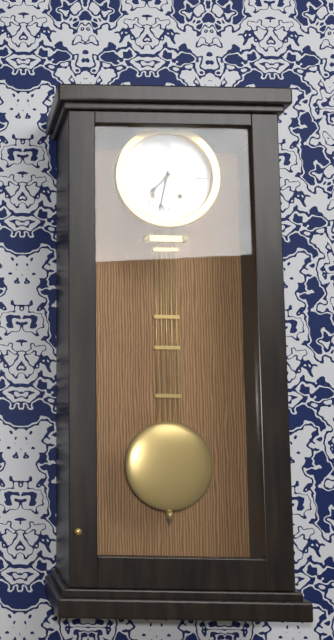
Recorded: h=7 m=32
